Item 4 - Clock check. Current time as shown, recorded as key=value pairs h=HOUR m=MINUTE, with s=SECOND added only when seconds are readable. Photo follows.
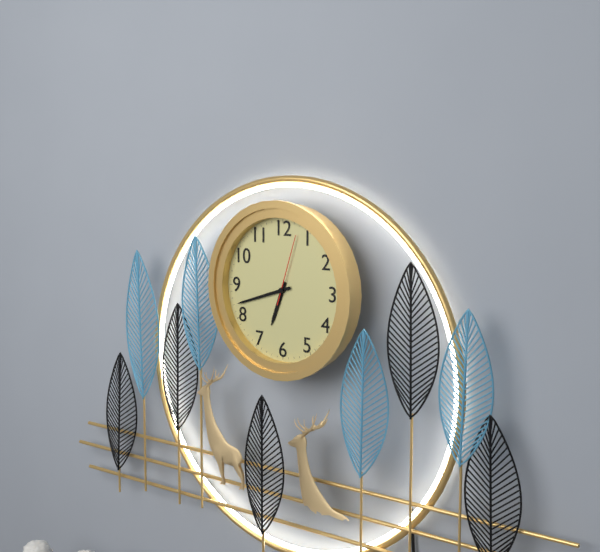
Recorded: h=6 m=42 s=3
